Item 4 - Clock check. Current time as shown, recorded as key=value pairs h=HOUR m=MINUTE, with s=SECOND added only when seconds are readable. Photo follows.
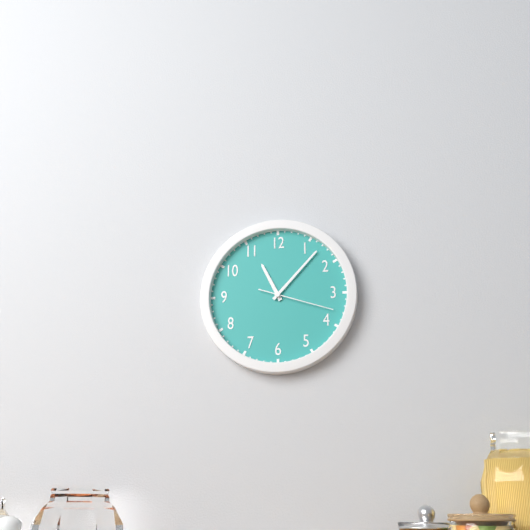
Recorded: h=11 m=7 s=18
